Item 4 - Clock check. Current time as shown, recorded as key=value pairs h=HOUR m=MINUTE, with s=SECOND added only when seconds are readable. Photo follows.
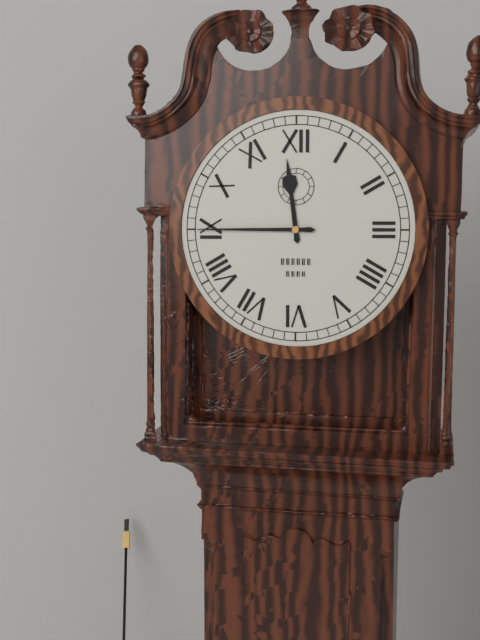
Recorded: h=11 m=45
